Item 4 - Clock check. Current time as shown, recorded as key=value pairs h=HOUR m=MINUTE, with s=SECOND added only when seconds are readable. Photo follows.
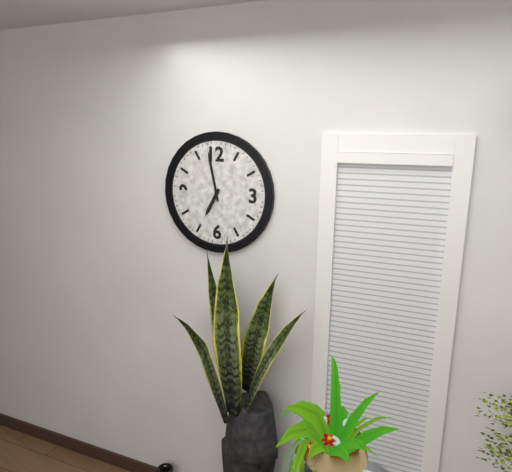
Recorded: h=6 m=58
